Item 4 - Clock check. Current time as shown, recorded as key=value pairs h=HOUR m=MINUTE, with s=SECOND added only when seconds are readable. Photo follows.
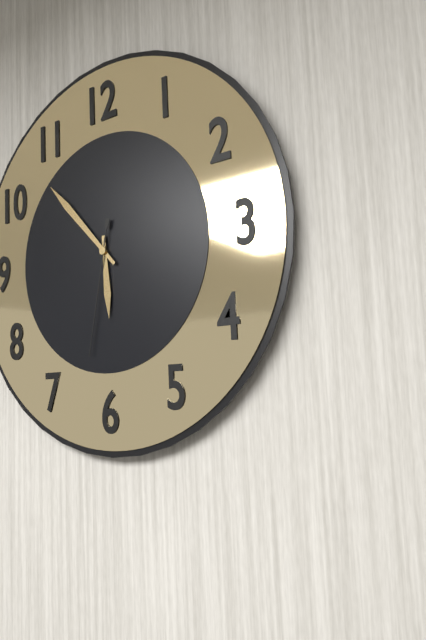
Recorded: h=5 m=53 s=32
